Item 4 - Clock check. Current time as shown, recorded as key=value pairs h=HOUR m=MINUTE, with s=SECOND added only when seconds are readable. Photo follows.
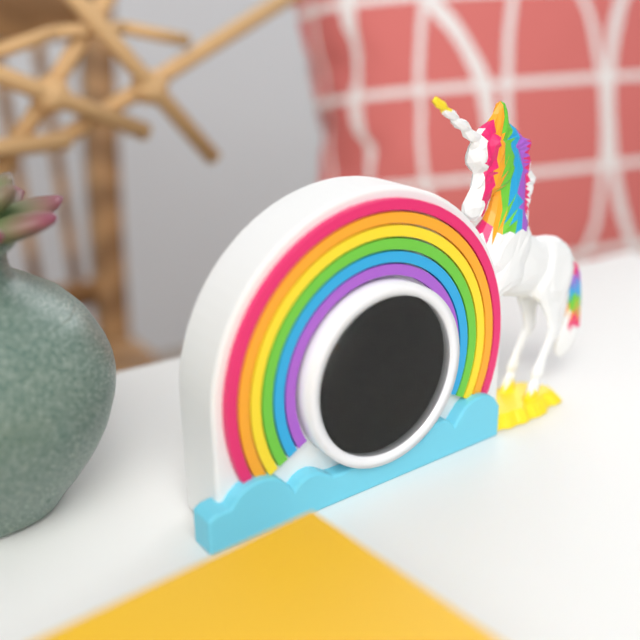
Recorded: h=2 m=9
